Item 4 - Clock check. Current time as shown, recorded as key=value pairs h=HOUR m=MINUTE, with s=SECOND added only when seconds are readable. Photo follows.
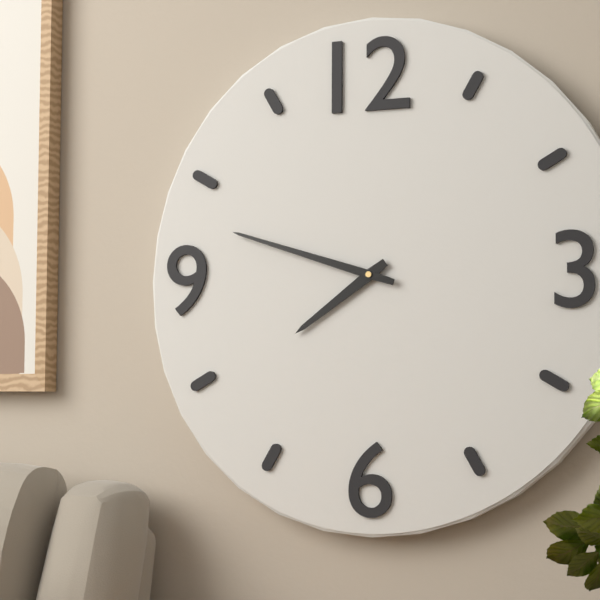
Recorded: h=7 m=48
